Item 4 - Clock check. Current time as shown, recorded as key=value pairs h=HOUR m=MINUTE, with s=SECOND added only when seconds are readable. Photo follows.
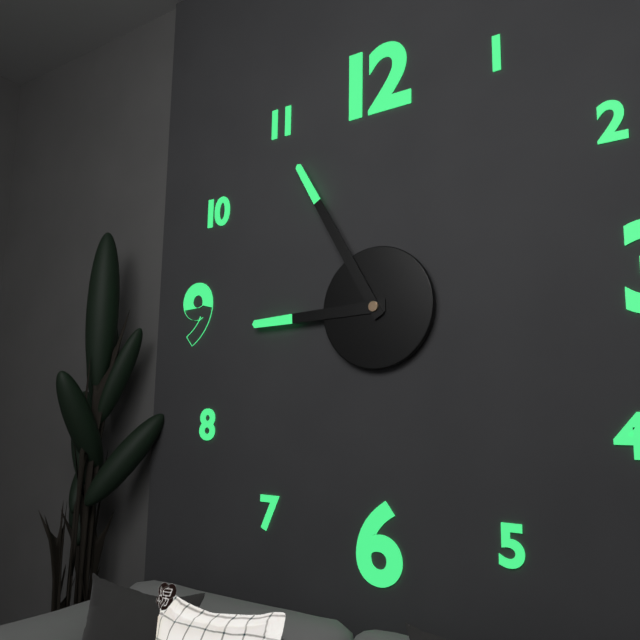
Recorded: h=8 m=55
